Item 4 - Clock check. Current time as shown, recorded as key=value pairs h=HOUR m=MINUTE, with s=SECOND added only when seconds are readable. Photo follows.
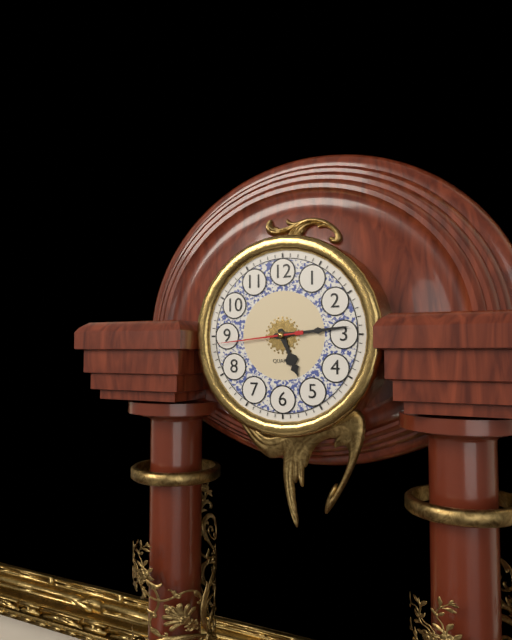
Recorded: h=5 m=14 s=44
